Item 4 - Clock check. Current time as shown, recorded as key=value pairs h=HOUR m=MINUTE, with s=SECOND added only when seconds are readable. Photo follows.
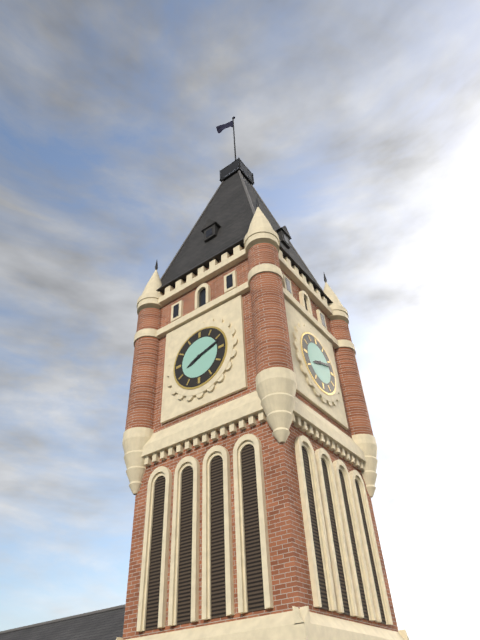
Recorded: h=8 m=12
